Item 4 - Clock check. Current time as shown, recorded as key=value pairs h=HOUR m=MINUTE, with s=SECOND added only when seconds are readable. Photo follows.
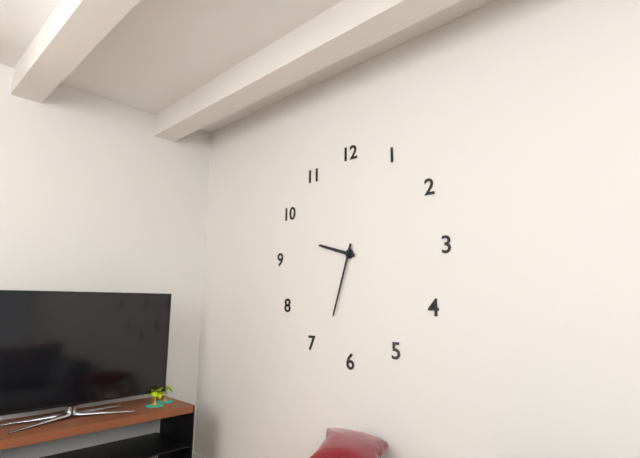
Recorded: h=9 m=33
